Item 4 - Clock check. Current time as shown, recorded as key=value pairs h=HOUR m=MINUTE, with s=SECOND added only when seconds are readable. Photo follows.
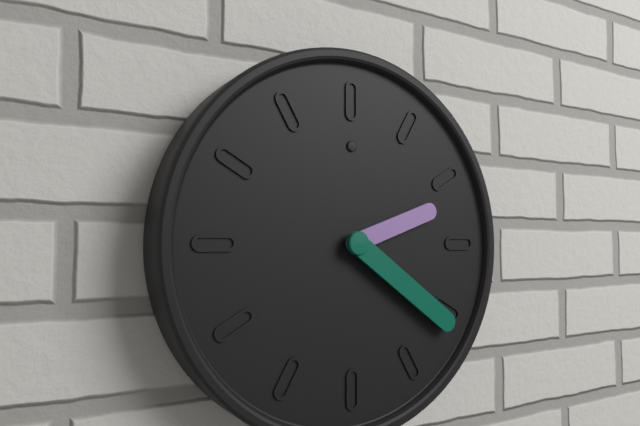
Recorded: h=2 m=21
